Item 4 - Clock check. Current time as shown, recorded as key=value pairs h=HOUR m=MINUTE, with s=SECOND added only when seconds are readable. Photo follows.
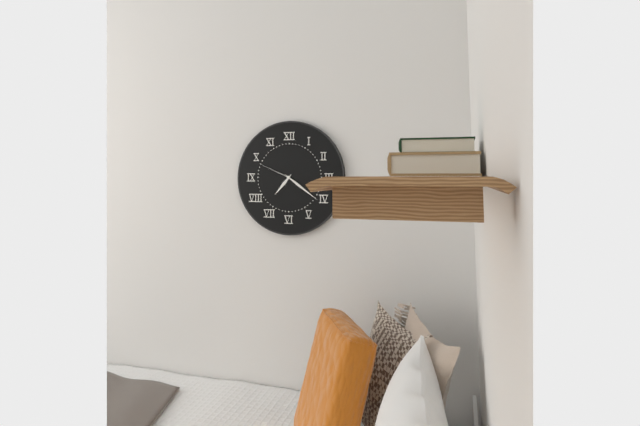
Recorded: h=7 m=21
